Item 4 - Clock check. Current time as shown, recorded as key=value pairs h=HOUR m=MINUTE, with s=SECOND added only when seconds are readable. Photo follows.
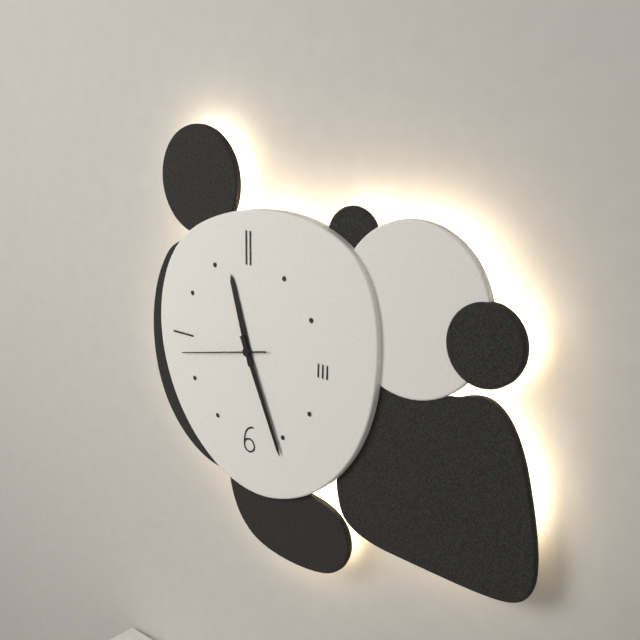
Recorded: h=11 m=26 s=43
